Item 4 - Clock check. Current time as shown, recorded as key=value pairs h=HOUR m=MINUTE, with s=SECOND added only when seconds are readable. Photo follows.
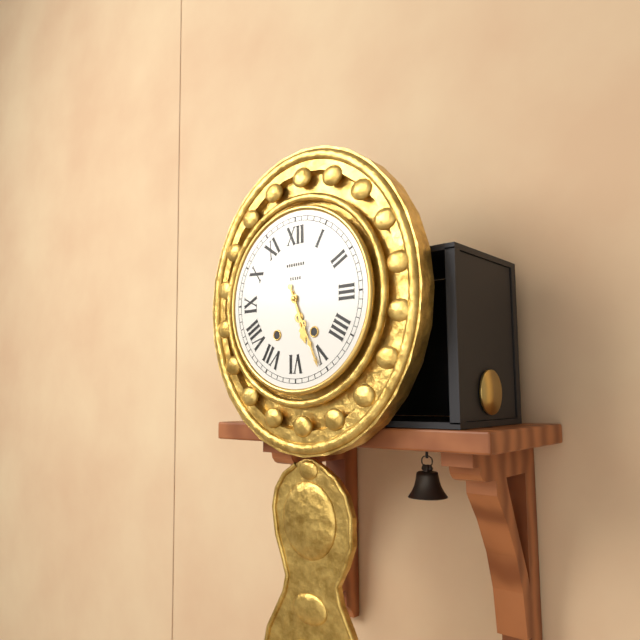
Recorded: h=5 m=26
